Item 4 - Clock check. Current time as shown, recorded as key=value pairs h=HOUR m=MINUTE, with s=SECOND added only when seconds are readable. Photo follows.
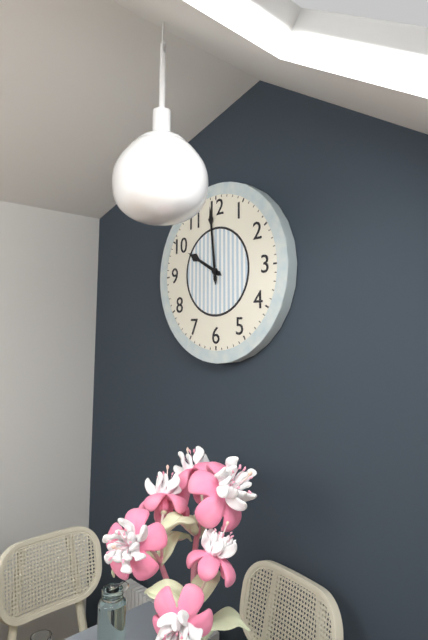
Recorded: h=9 m=59
